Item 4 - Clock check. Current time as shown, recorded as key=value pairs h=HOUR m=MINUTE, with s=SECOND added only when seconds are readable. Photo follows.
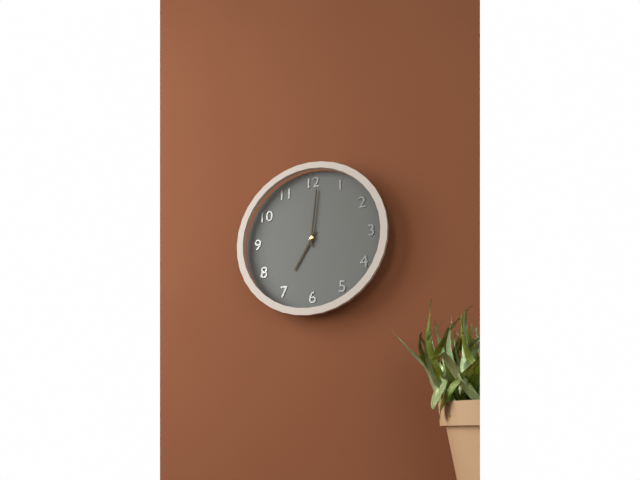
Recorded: h=7 m=1
